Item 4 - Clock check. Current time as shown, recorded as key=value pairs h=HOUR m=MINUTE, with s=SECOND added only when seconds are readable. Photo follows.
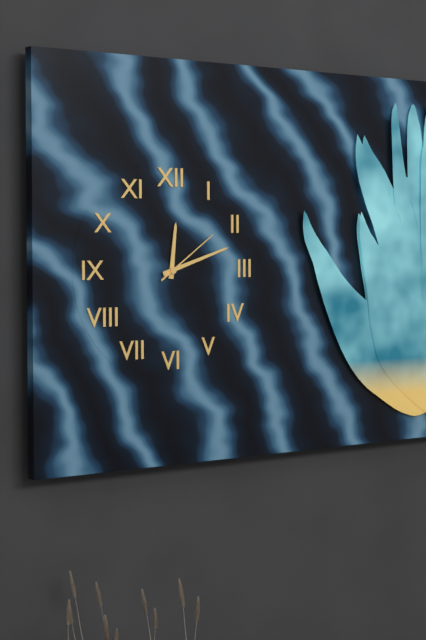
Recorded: h=12 m=12 s=9
